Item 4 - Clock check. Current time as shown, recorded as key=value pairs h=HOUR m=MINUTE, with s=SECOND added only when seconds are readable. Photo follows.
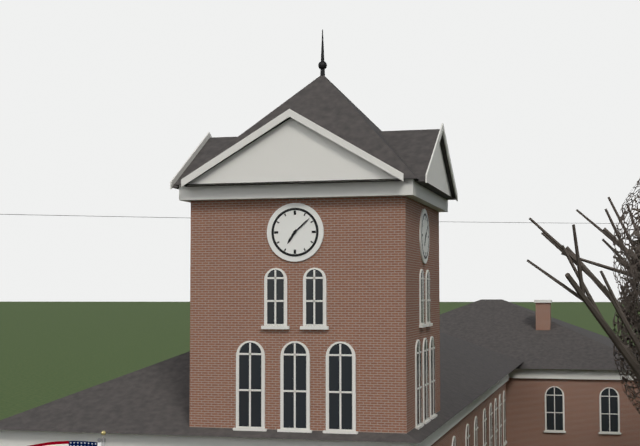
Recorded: h=7 m=8
